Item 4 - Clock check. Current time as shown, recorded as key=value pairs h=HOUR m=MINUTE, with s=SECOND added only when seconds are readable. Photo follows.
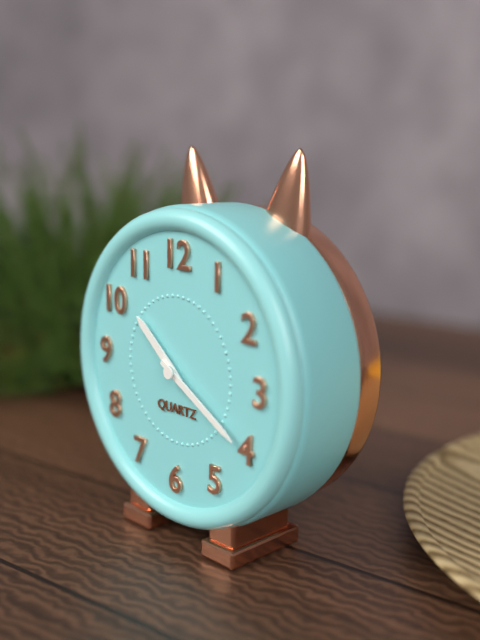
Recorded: h=10 m=20
